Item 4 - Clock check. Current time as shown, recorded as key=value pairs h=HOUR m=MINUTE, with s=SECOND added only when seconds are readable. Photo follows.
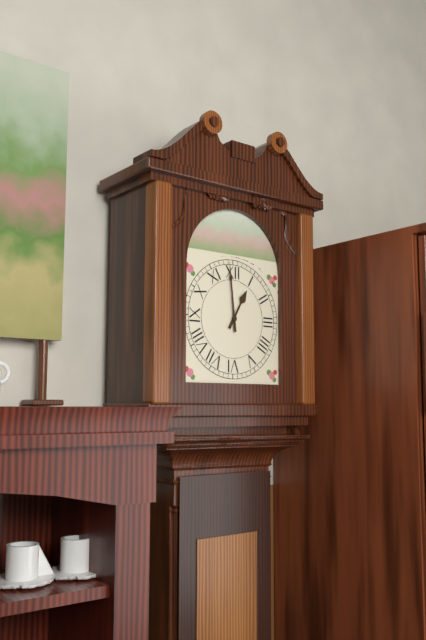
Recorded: h=12 m=59
